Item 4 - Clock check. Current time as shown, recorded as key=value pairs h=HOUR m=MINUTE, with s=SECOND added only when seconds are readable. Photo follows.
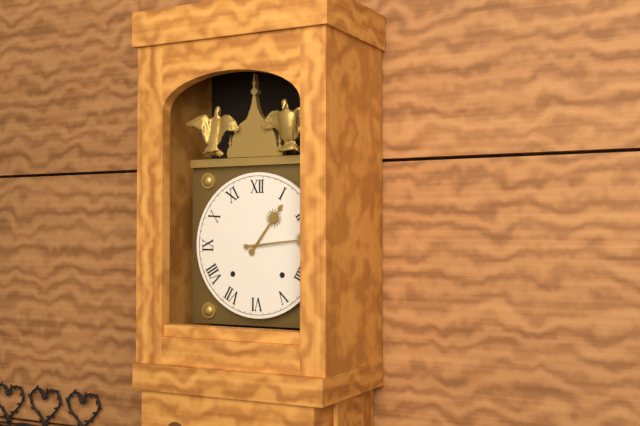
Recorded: h=1 m=14
